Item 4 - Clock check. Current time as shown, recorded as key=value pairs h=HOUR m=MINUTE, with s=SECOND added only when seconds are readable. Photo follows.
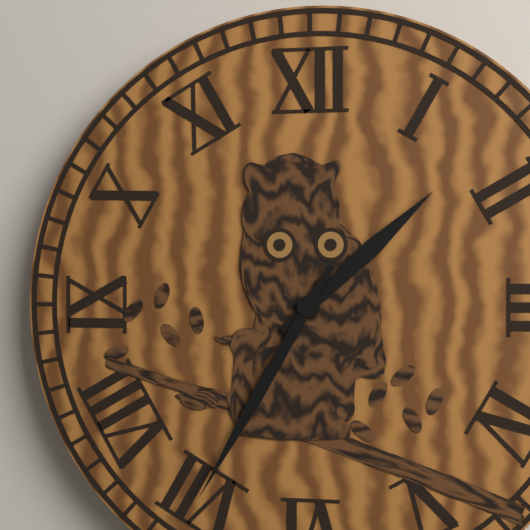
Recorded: h=1 m=35
